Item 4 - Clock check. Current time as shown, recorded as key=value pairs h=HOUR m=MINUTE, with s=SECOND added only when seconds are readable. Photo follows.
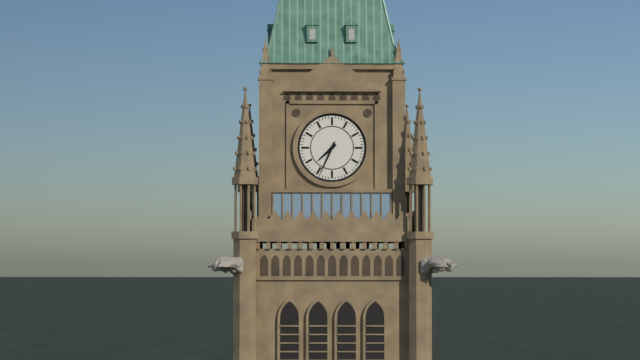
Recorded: h=7 m=34
